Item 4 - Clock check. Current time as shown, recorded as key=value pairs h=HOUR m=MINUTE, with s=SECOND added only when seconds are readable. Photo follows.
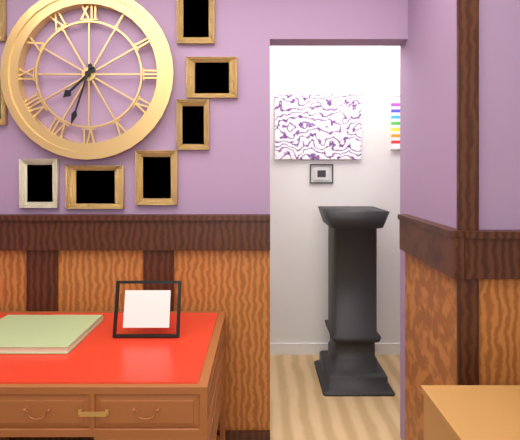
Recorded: h=7 m=33
